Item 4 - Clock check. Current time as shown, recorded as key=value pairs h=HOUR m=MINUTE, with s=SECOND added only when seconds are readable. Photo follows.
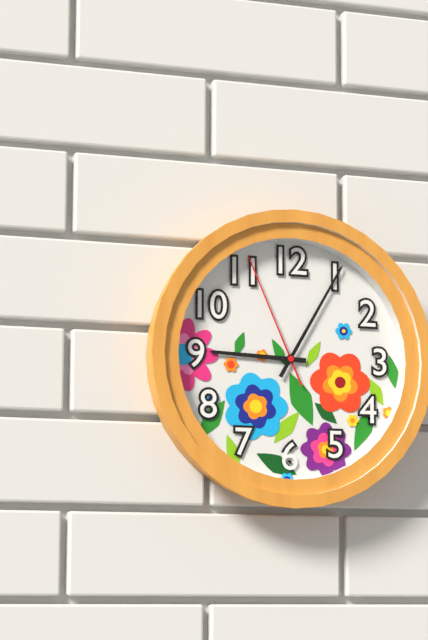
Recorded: h=9 m=5 s=56
